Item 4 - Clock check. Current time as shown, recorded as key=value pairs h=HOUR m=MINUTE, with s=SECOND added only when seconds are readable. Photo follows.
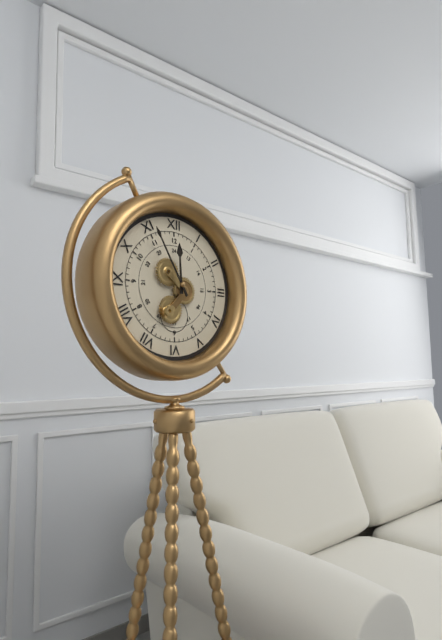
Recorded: h=11 m=55
